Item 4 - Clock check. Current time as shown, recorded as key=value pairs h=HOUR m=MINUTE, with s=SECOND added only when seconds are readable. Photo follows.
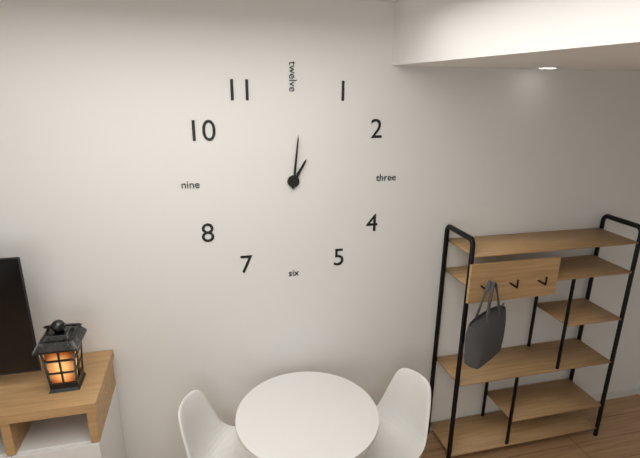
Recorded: h=1 m=1
